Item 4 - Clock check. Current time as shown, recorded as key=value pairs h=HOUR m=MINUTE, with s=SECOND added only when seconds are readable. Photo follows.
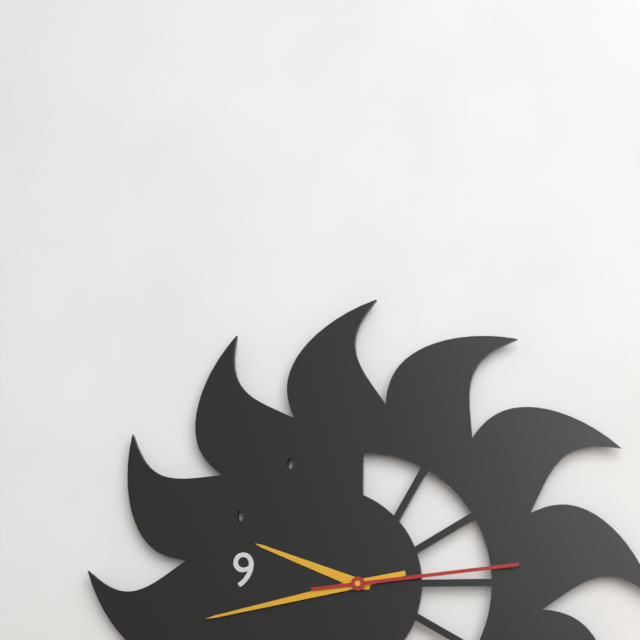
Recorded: h=9 m=43 s=14
